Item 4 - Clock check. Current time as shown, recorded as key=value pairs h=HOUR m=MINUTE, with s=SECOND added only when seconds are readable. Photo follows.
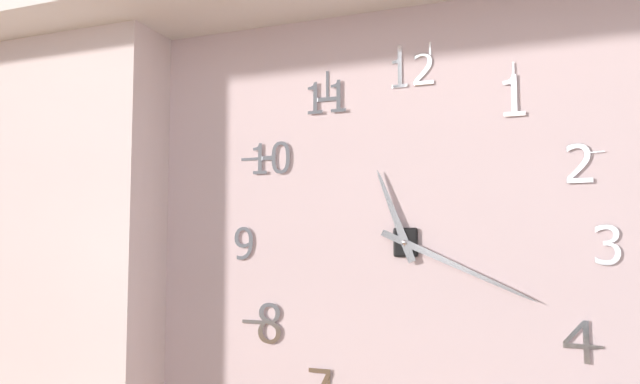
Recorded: h=11 m=19
